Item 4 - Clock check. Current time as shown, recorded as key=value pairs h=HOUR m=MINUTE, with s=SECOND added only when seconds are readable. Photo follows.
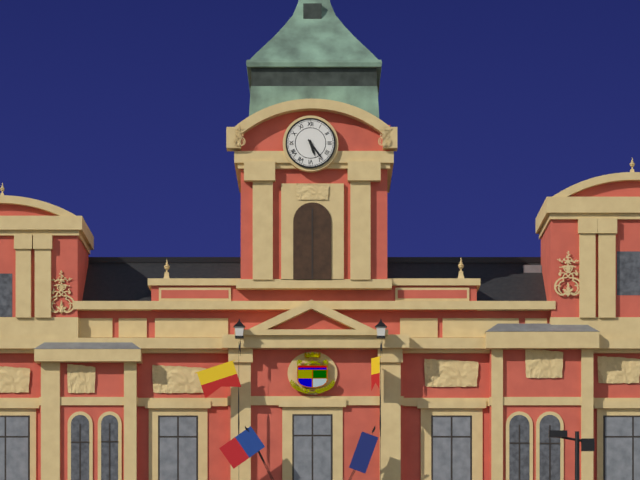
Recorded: h=5 m=24
